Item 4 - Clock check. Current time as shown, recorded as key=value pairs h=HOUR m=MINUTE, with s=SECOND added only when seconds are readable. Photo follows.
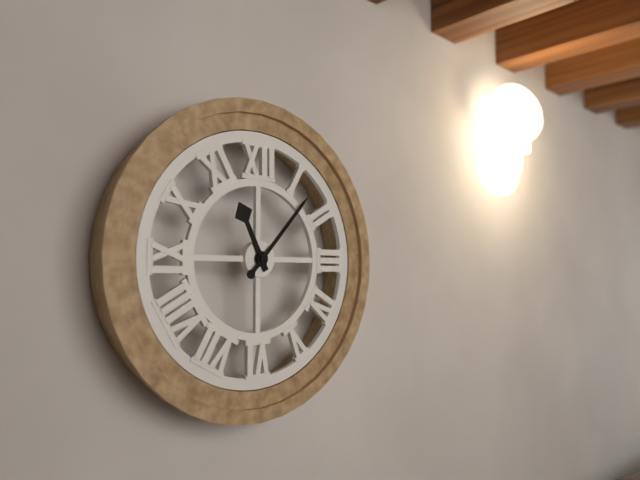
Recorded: h=11 m=7
